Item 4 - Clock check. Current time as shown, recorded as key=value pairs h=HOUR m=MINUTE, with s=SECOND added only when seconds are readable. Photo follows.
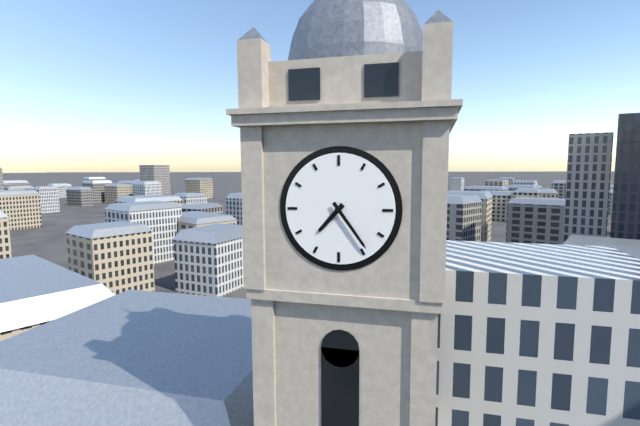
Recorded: h=7 m=24
